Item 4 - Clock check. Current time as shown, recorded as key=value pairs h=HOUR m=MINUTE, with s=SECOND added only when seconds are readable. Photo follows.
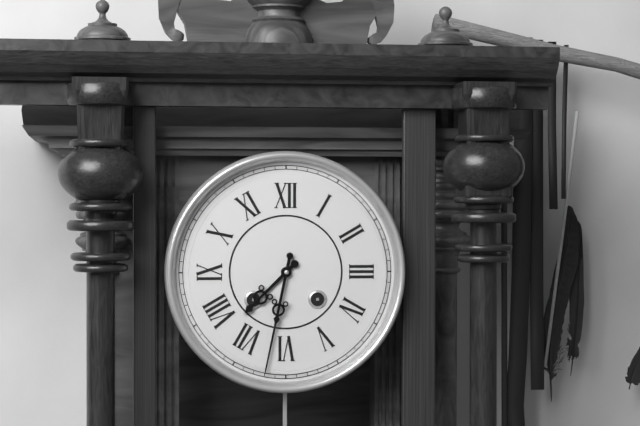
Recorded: h=7 m=32
